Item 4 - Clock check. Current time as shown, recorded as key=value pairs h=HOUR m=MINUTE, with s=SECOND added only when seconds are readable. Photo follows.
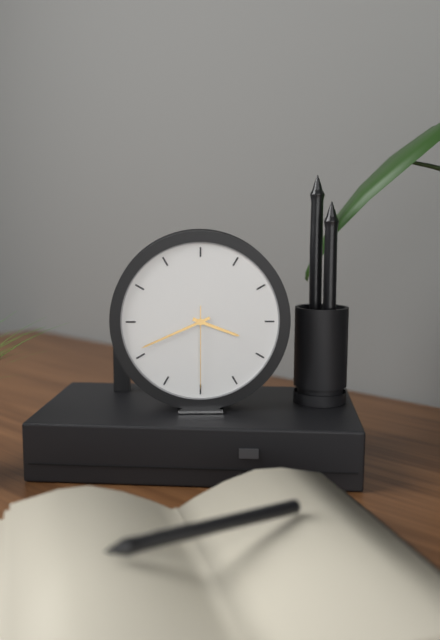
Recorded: h=3 m=41 s=30
